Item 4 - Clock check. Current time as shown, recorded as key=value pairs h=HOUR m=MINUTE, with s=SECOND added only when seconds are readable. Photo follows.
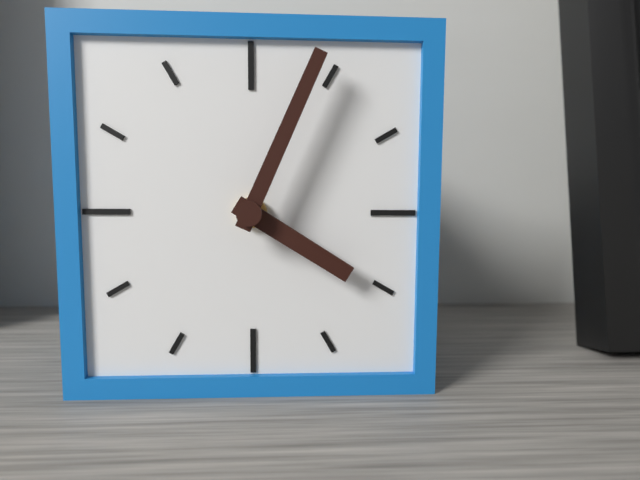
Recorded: h=4 m=4
